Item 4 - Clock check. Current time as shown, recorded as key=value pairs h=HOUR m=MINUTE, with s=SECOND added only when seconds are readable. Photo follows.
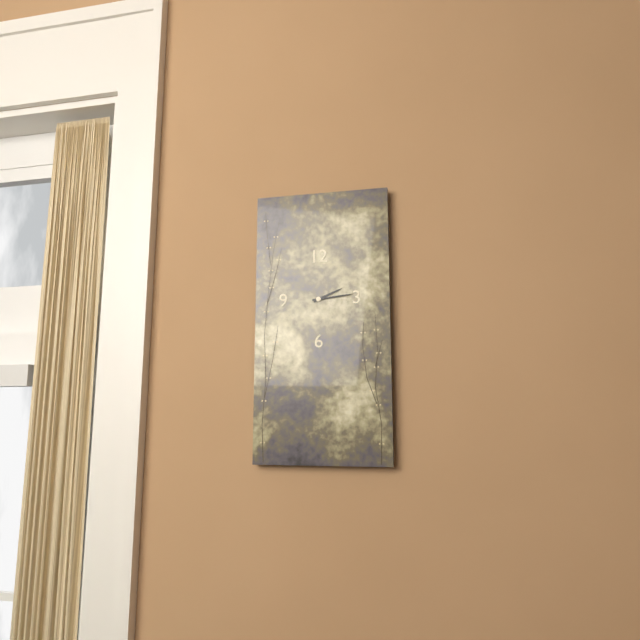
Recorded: h=2 m=14
